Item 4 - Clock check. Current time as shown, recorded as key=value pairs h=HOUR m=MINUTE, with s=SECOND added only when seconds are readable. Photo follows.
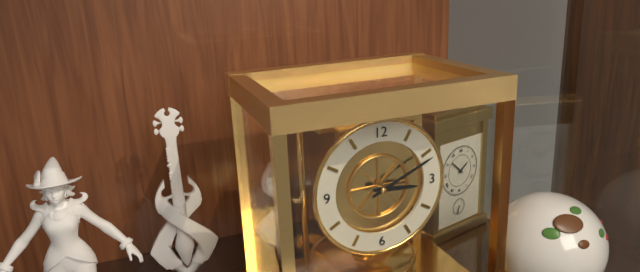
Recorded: h=3 m=11
